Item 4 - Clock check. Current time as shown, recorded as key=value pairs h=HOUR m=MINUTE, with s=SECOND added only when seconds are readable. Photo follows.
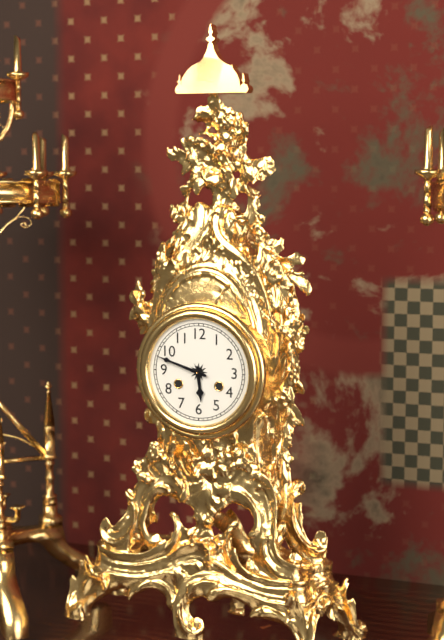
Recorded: h=5 m=48
